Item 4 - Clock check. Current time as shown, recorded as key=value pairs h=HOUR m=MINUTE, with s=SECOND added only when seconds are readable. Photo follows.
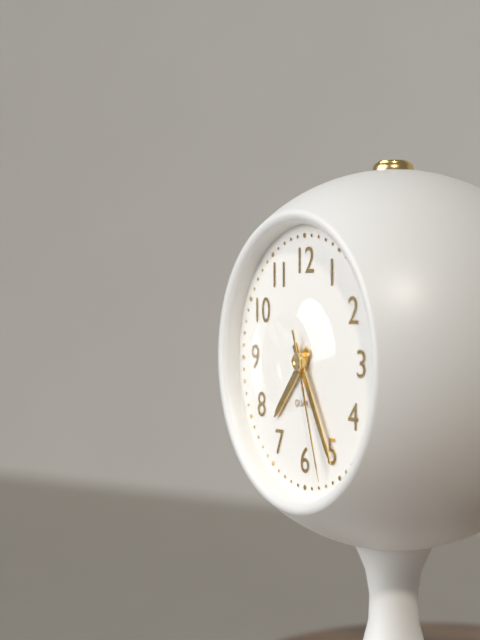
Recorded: h=7 m=25 s=27
